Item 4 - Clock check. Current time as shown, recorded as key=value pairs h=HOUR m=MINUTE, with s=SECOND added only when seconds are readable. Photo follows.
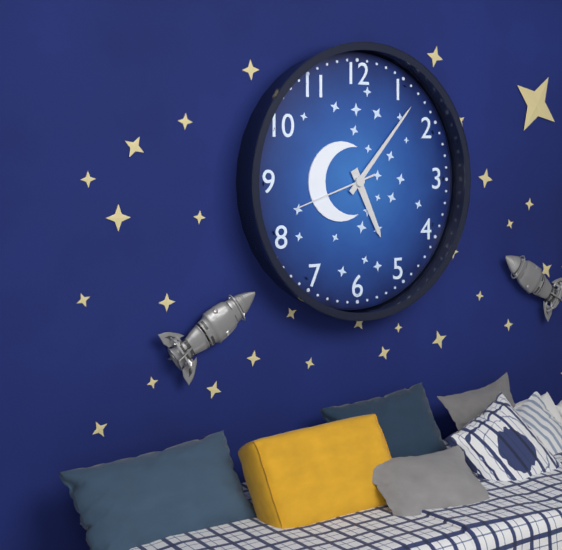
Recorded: h=5 m=7 s=42
